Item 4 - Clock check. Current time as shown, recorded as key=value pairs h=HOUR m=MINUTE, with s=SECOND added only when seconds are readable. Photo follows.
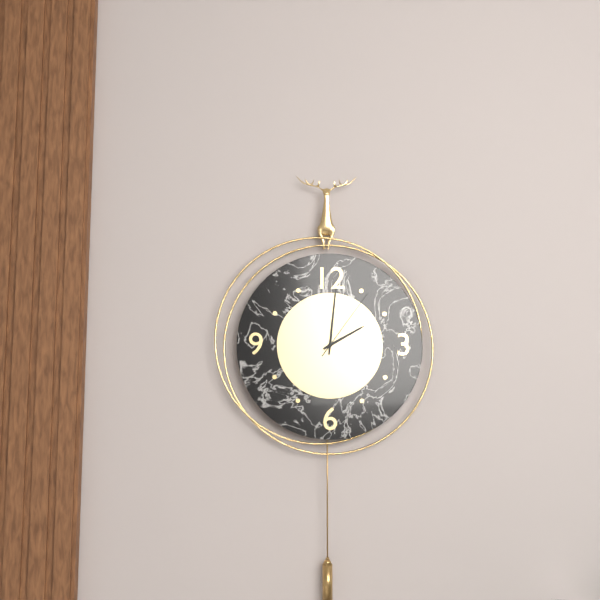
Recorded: h=2 m=1 s=6
